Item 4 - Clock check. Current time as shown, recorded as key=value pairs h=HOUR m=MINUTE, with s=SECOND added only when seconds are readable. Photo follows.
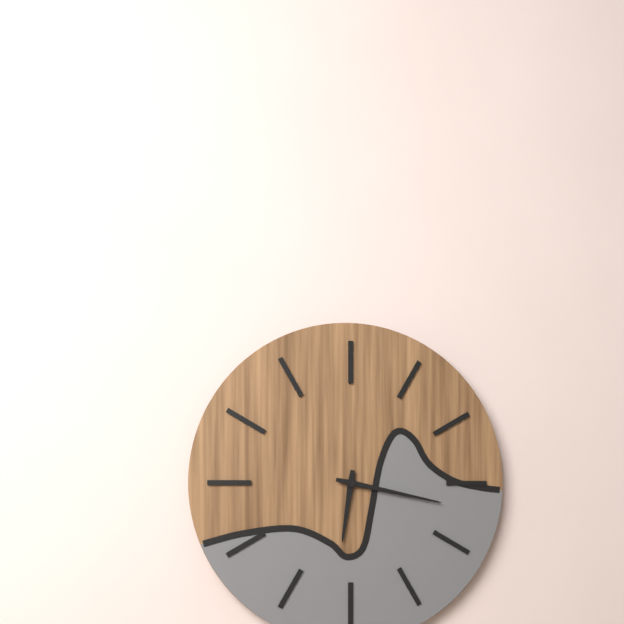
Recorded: h=6 m=17
